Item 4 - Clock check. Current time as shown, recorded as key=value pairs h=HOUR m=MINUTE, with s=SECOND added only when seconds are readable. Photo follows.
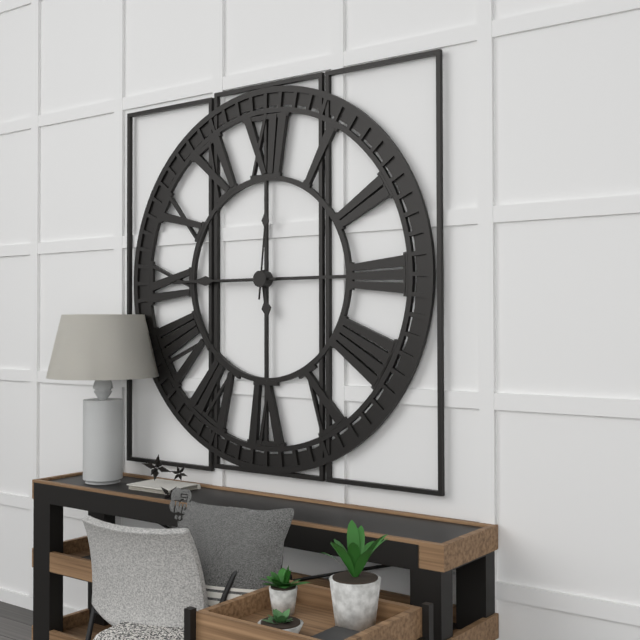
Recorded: h=5 m=45 s=1
